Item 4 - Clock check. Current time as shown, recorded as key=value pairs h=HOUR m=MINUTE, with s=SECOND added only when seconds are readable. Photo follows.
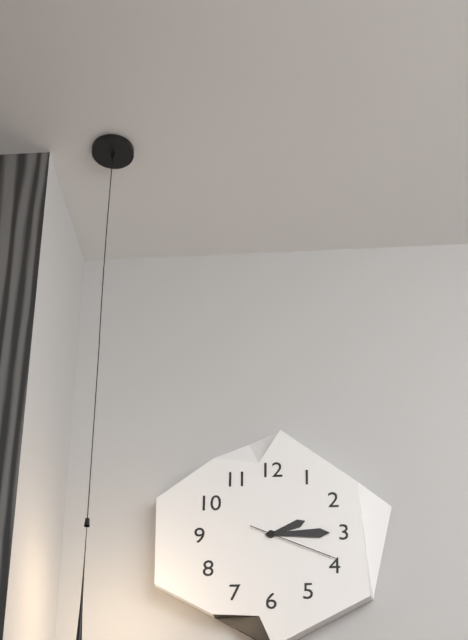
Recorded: h=2 m=15 s=19
